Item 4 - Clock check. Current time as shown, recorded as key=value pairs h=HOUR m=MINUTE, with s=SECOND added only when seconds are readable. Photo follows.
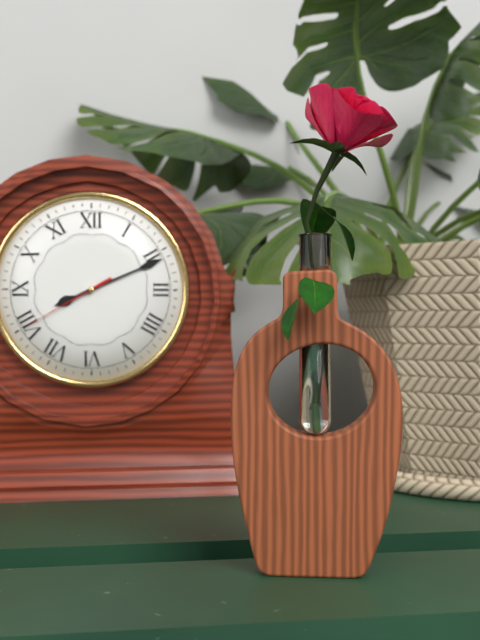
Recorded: h=8 m=11 s=40
